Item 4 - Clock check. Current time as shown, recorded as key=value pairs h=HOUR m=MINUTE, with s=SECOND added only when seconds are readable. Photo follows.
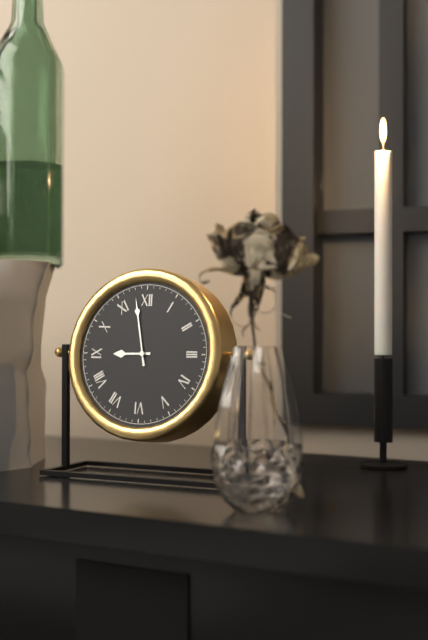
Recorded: h=8 m=58
